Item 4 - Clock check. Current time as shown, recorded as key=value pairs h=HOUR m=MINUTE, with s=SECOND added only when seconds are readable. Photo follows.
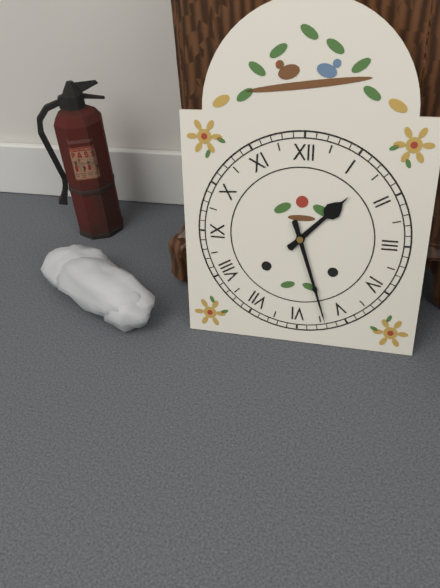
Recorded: h=1 m=27
